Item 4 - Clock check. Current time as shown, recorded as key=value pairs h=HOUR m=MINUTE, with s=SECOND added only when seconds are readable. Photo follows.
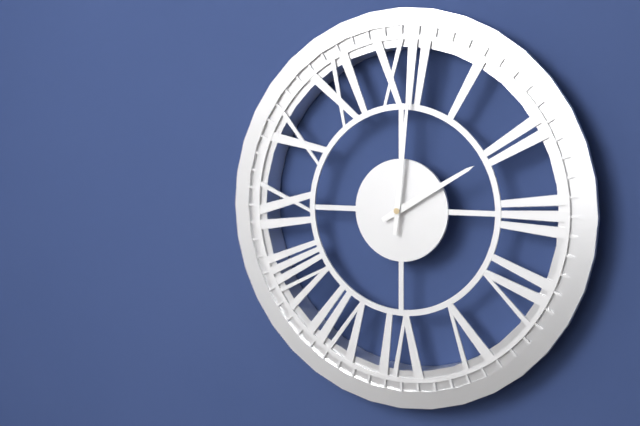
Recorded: h=2 m=1
